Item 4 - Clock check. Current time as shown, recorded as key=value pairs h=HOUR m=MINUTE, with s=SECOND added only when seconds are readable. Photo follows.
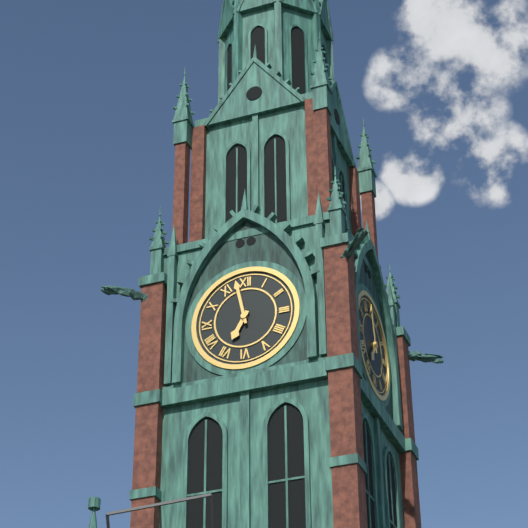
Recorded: h=6 m=58
